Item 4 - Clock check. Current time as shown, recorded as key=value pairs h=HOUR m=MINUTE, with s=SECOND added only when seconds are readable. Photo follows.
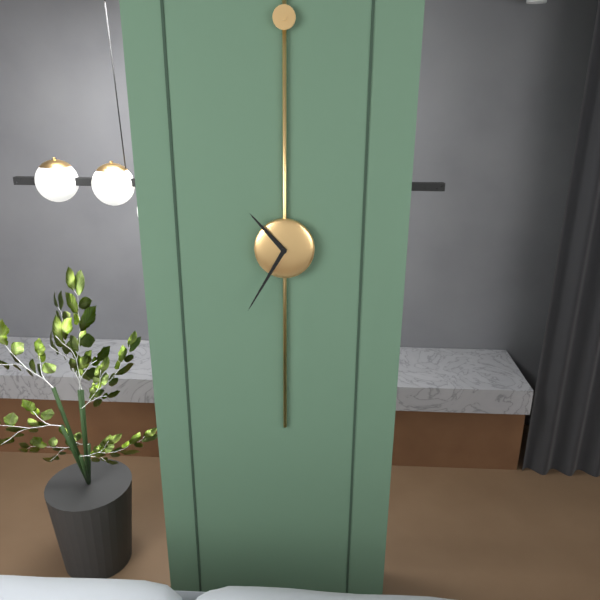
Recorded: h=10 m=35
